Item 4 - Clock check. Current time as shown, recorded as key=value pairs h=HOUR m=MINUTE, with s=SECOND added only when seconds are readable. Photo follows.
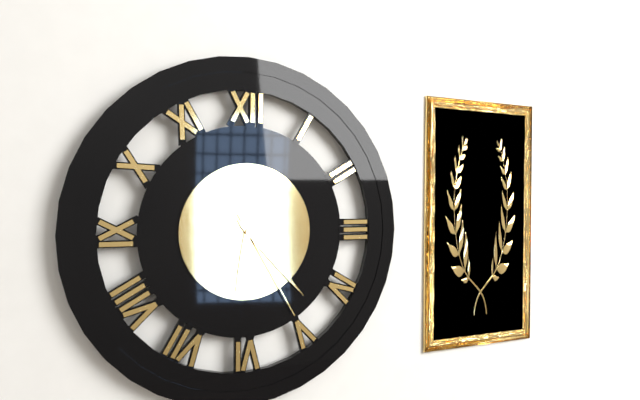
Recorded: h=6 m=23 s=25
